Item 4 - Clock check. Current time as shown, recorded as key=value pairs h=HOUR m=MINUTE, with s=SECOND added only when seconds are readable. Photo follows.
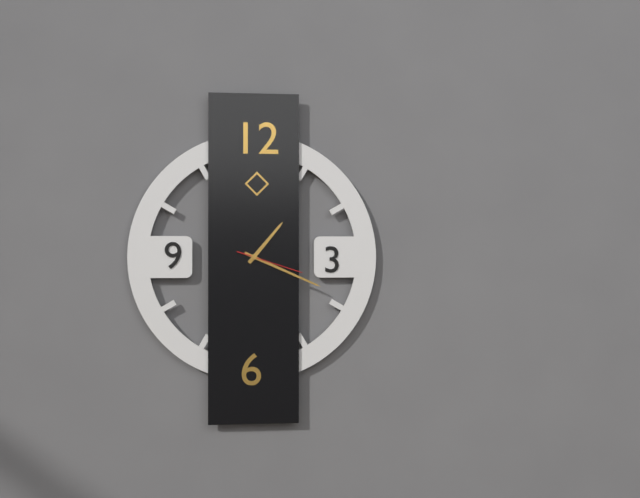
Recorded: h=1 m=19 s=18
